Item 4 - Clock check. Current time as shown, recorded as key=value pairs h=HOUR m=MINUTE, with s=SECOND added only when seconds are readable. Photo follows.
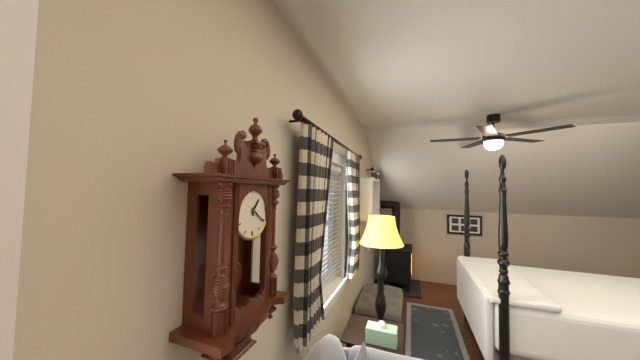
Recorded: h=1 m=21
